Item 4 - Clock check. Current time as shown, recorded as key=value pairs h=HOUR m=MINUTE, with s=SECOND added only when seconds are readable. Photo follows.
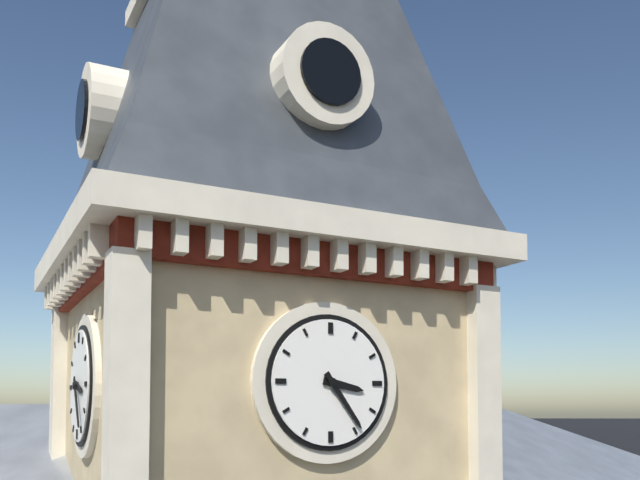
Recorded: h=3 m=24
